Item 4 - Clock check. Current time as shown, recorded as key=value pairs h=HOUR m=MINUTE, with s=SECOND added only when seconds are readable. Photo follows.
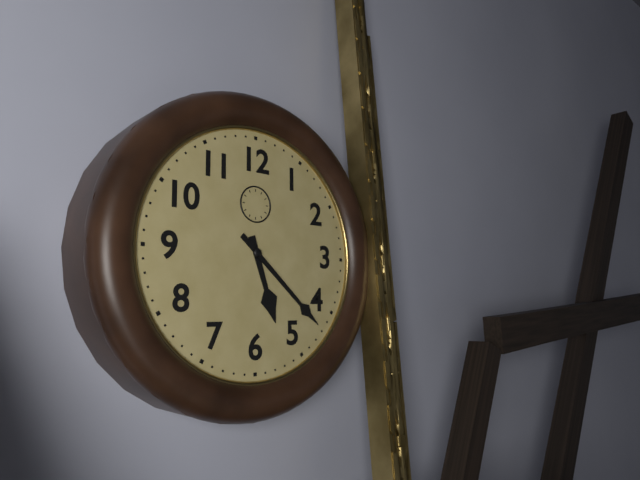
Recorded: h=5 m=22
